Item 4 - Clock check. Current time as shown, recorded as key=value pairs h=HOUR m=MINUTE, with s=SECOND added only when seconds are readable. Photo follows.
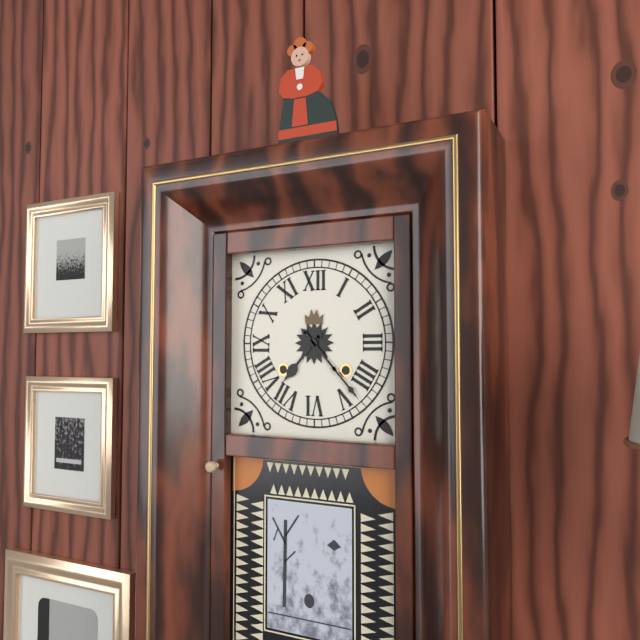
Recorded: h=7 m=23
